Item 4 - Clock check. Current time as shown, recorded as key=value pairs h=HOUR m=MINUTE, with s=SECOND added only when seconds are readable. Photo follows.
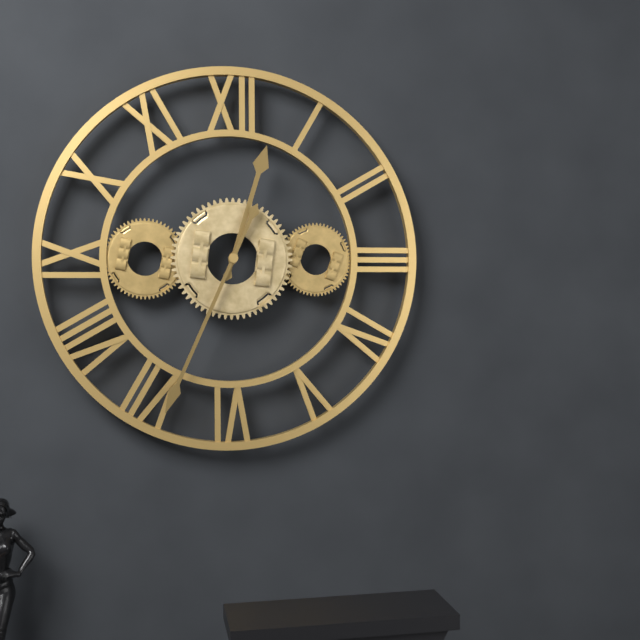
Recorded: h=12 m=34
